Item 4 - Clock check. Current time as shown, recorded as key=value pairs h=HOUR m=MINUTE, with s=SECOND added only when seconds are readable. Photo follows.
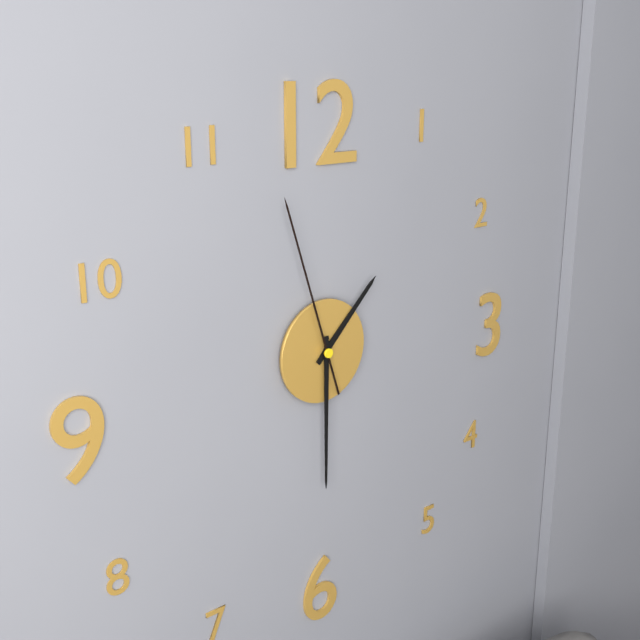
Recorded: h=1 m=30 s=57
